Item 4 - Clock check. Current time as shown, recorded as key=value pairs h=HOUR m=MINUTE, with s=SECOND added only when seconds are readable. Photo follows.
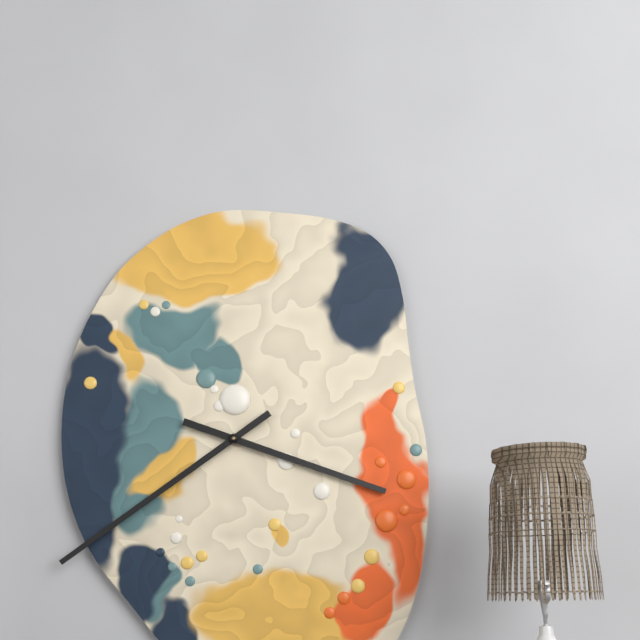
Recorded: h=3 m=39
